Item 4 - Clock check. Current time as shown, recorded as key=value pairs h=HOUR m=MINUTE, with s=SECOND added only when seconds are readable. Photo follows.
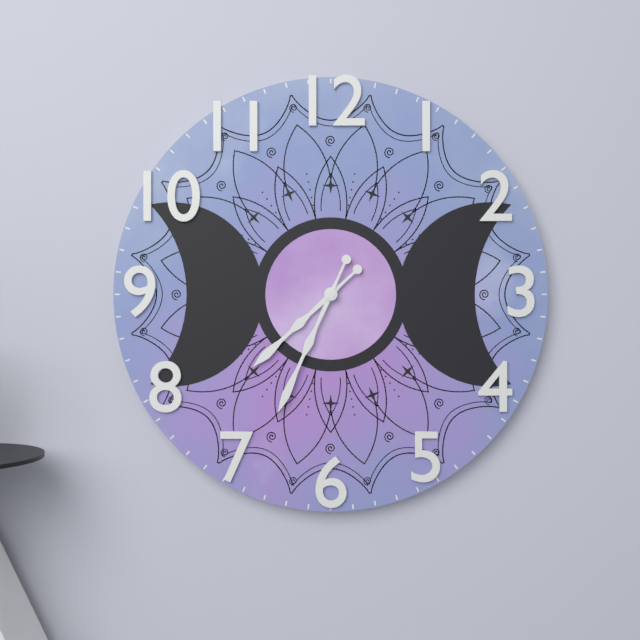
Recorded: h=7 m=34
